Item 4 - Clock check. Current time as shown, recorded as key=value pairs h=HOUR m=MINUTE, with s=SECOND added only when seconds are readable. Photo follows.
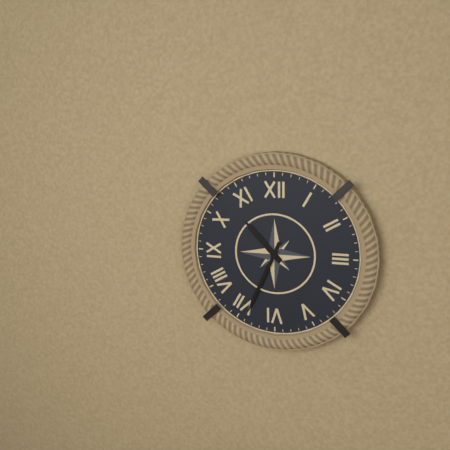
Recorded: h=10 m=34
